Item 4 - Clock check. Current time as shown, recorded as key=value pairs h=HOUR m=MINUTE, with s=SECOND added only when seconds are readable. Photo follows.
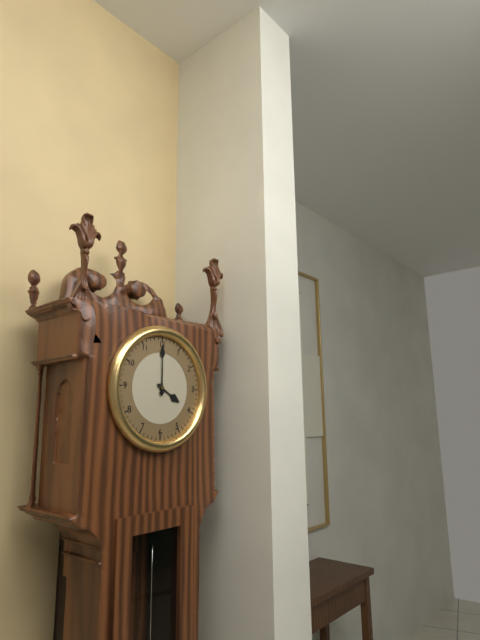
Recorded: h=4 m=0
